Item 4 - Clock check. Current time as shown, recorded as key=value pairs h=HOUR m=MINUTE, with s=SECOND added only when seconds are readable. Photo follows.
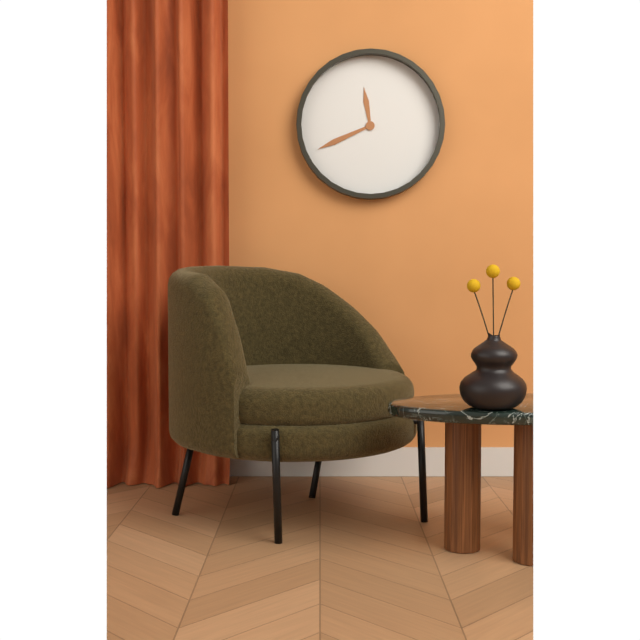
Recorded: h=11 m=41
